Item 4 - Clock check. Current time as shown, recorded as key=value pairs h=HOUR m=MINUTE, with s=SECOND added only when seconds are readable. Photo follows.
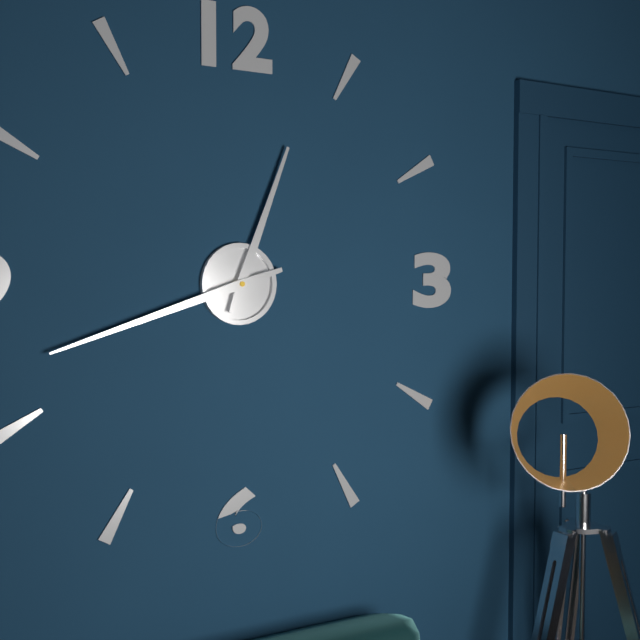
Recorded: h=12 m=42
